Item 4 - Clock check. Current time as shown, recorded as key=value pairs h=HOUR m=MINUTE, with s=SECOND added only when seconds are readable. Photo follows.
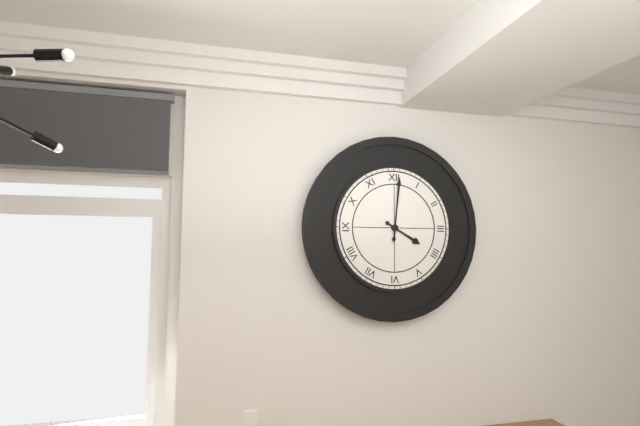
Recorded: h=4 m=1
